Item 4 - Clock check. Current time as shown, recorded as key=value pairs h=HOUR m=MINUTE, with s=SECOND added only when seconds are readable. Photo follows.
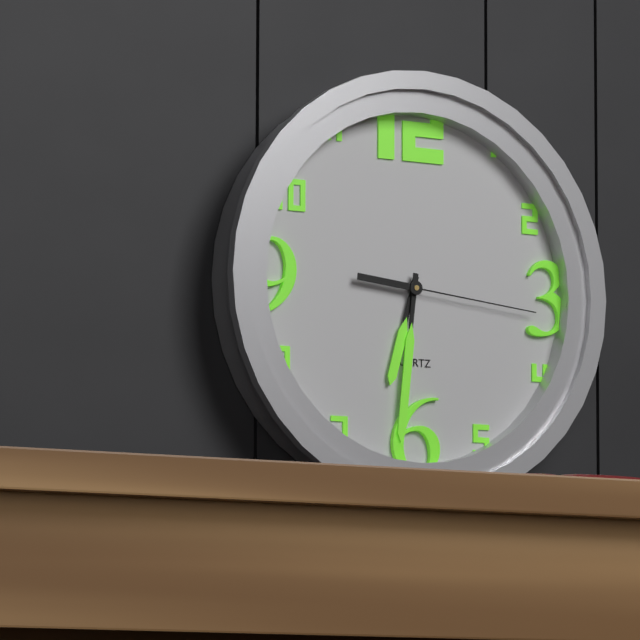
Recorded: h=6 m=31 s=16
